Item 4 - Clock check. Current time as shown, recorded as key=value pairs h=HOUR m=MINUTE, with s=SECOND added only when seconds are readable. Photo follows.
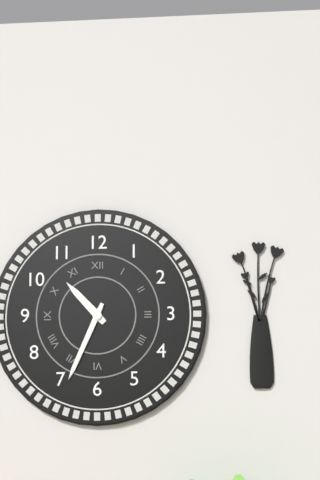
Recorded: h=10 m=34
